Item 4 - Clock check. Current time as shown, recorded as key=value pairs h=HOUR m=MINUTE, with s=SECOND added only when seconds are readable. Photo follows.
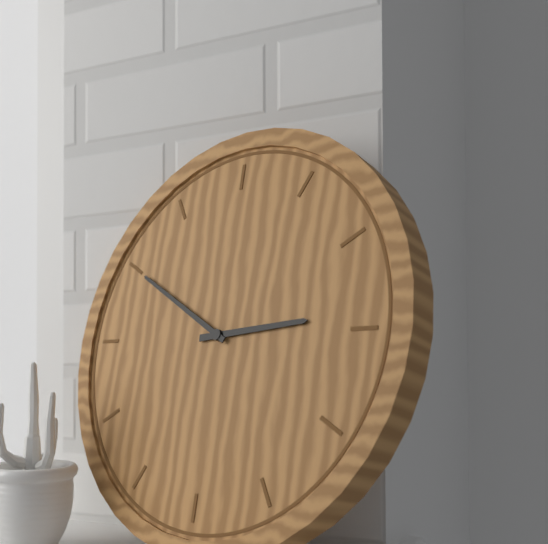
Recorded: h=2 m=50
